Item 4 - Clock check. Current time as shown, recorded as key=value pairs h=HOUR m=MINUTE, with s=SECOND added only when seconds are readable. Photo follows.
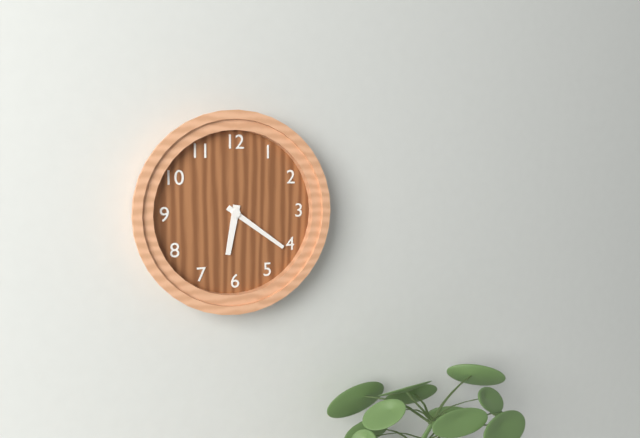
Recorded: h=6 m=21
